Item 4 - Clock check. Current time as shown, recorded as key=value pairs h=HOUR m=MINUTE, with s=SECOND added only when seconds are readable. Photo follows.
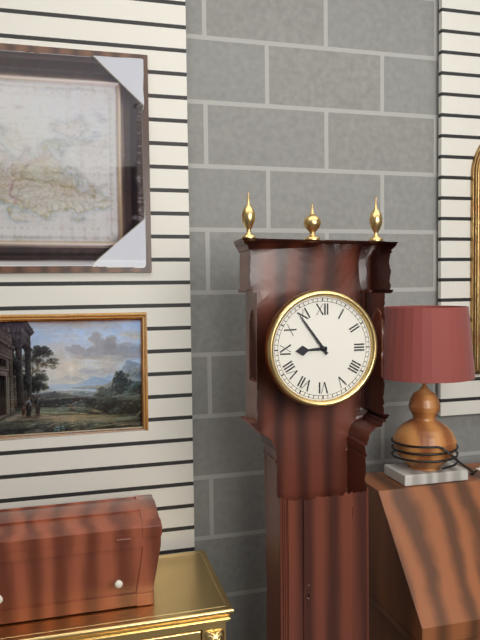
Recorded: h=8 m=54
